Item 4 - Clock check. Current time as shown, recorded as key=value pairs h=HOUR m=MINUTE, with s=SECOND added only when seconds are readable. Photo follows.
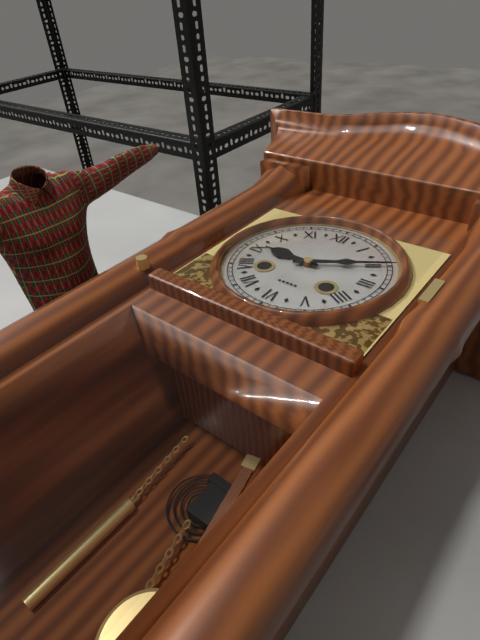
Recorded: h=9 m=10
